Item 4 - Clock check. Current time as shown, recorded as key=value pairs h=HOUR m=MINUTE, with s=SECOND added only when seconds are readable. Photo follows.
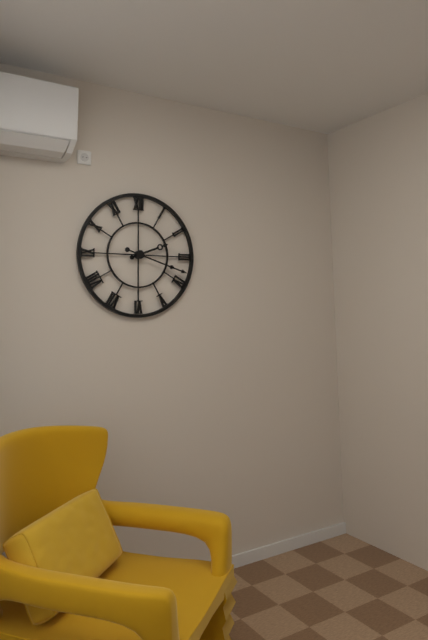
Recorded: h=2 m=18
